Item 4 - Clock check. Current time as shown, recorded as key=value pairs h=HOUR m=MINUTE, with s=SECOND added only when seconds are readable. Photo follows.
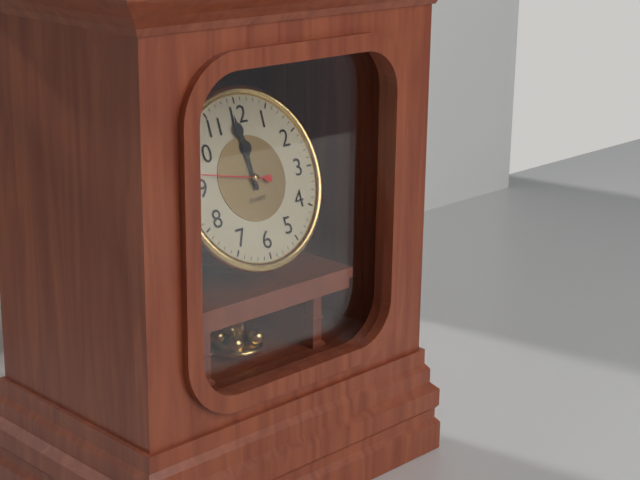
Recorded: h=11 m=59 s=47
